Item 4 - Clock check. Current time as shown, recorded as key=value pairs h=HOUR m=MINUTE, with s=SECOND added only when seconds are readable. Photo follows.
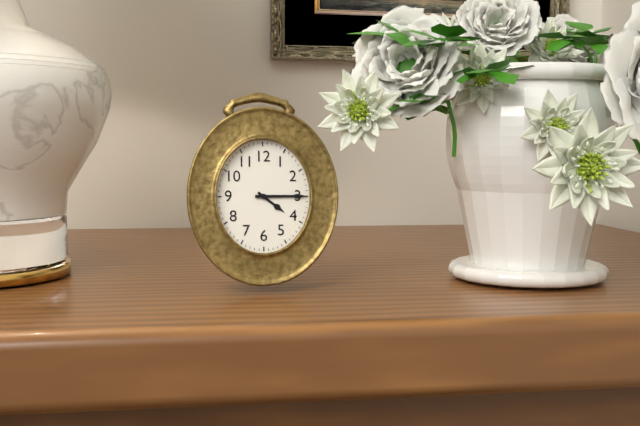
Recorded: h=4 m=15
